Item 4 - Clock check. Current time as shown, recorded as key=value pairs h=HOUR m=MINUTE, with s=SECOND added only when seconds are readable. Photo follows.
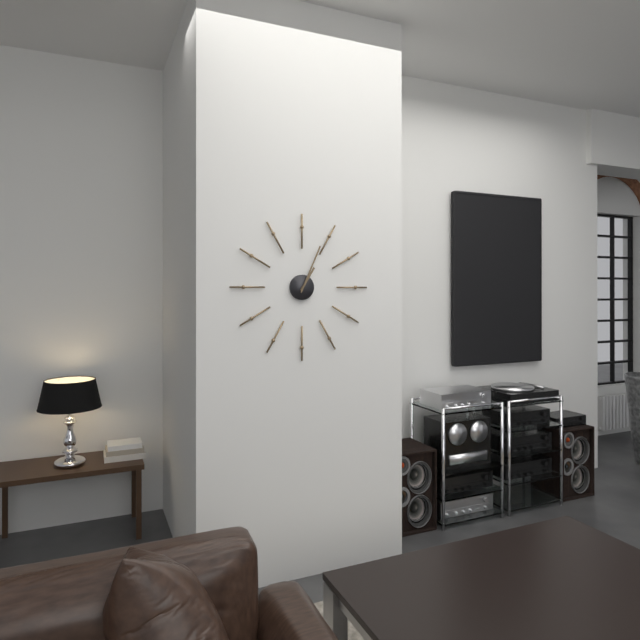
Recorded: h=1 m=4
